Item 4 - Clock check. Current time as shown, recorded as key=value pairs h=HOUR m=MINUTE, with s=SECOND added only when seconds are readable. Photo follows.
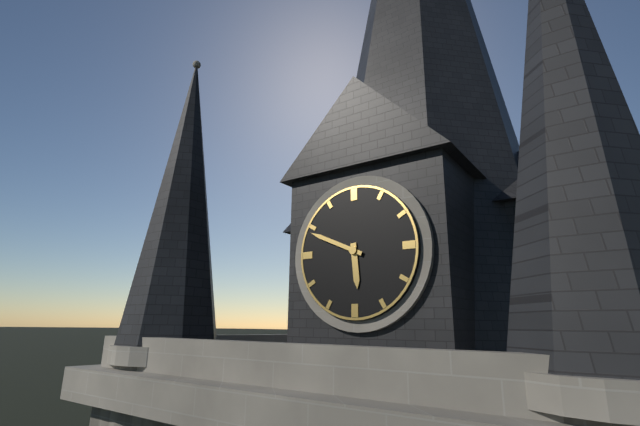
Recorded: h=5 m=49
